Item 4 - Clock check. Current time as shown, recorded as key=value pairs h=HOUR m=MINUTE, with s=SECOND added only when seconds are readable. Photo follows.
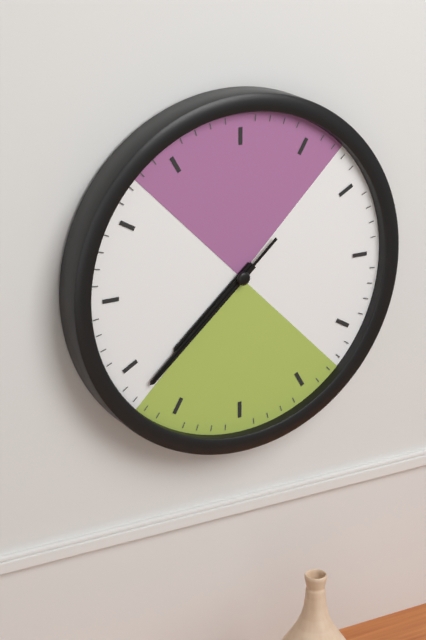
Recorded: h=7 m=38 s=38
